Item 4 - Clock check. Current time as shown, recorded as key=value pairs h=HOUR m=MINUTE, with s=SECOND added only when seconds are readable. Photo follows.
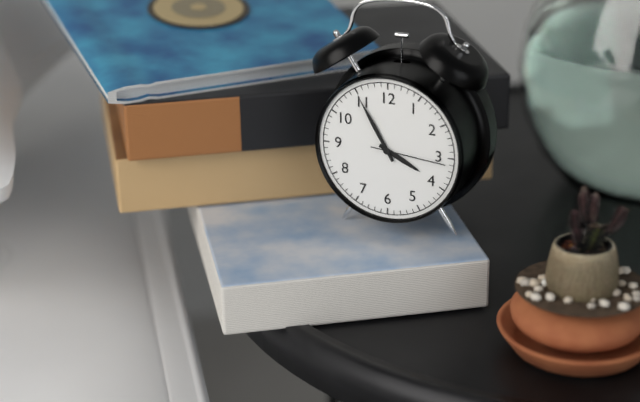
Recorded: h=3 m=55 s=16
